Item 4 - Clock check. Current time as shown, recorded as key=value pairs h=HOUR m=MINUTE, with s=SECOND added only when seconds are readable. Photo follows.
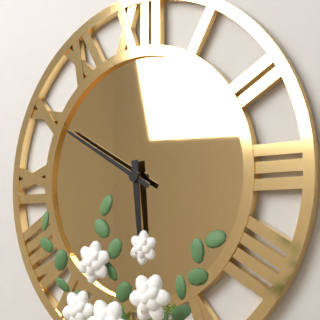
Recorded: h=5 m=50
